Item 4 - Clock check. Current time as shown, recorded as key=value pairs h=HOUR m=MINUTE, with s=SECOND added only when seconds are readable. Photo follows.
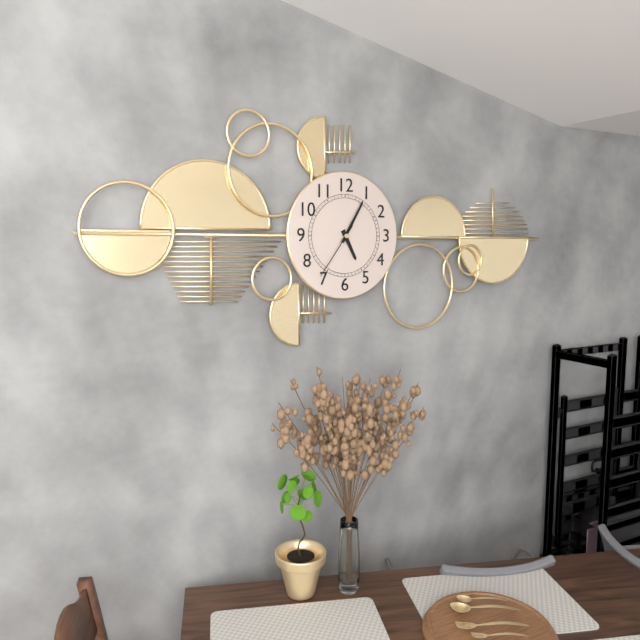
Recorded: h=5 m=5 s=36
